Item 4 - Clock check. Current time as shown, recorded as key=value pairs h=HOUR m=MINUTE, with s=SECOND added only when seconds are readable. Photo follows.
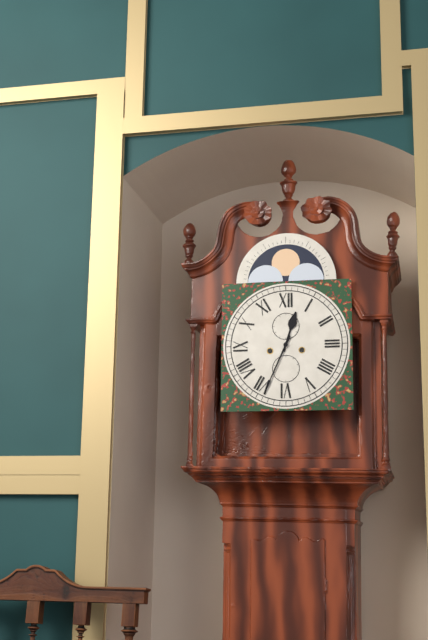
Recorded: h=12 m=34
